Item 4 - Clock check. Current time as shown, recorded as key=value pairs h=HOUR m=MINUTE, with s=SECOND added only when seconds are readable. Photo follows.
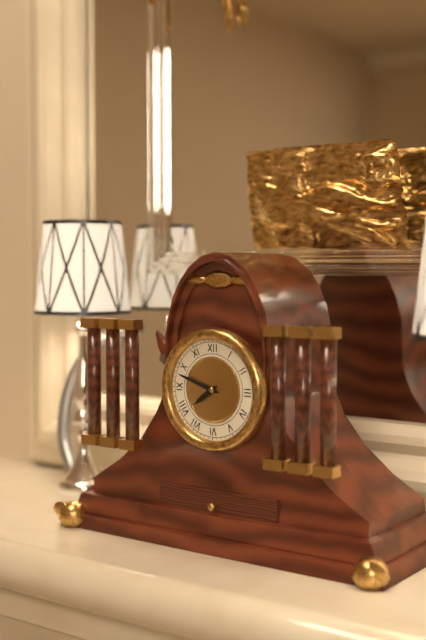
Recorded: h=7 m=48
